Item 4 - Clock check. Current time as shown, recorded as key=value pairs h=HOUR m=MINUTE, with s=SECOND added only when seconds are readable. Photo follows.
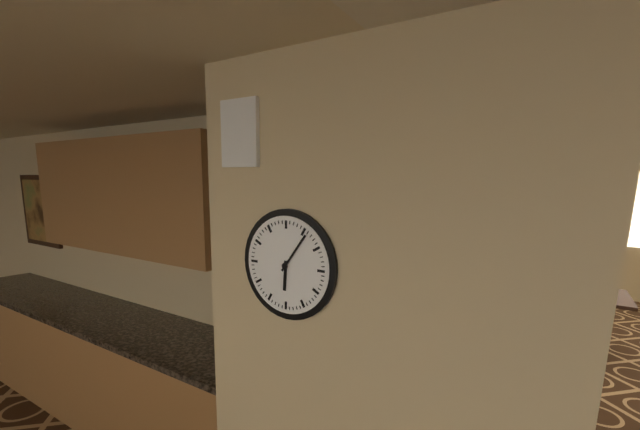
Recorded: h=6 m=6
